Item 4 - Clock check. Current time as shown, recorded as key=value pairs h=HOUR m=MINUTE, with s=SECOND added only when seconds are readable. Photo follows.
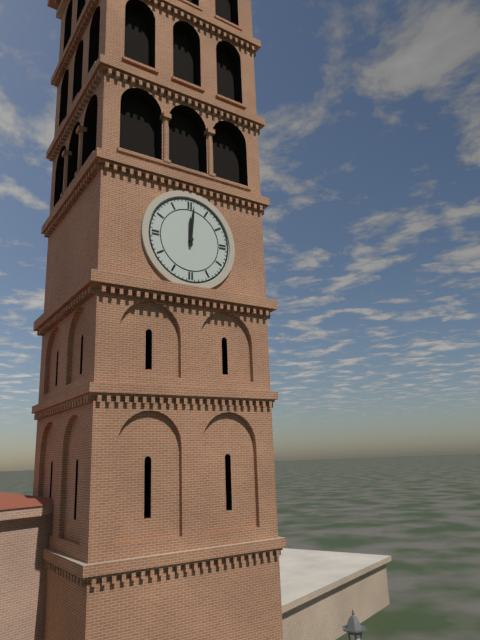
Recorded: h=12 m=1
